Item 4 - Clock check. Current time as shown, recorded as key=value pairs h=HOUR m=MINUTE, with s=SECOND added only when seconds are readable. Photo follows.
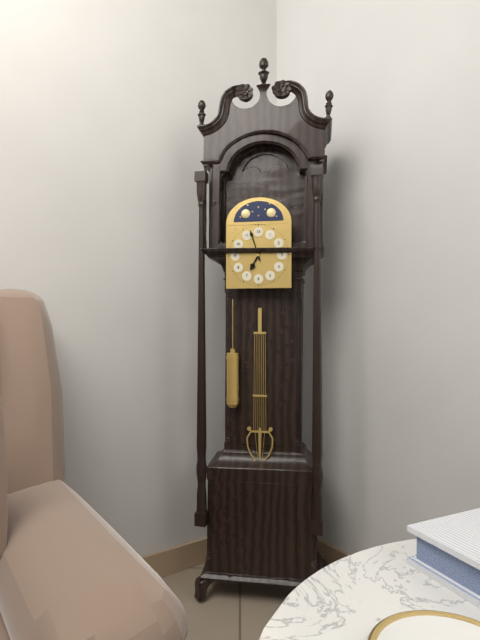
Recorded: h=6 m=57
